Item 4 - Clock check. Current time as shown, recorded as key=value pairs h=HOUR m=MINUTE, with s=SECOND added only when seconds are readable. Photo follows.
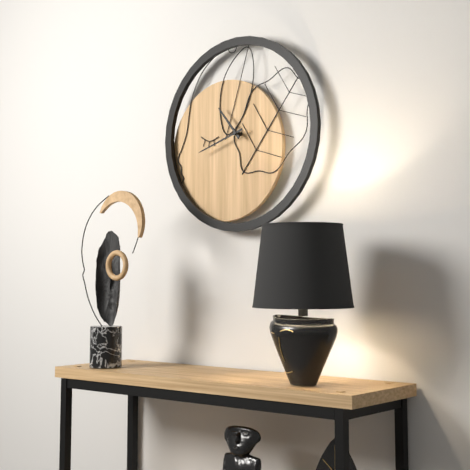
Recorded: h=10 m=42
